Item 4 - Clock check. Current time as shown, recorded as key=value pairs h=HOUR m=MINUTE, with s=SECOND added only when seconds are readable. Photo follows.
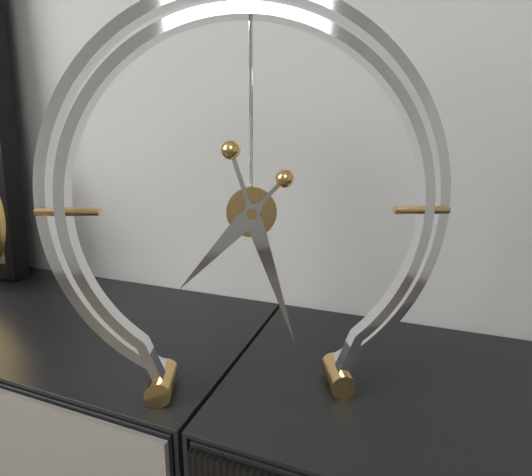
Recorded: h=7 m=27
